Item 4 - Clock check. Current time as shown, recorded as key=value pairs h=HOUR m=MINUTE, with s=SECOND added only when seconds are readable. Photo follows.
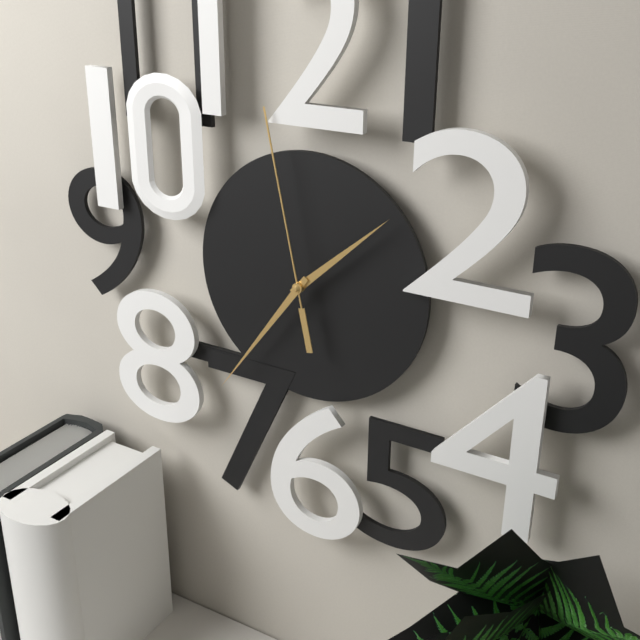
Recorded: h=1 m=36 s=58
